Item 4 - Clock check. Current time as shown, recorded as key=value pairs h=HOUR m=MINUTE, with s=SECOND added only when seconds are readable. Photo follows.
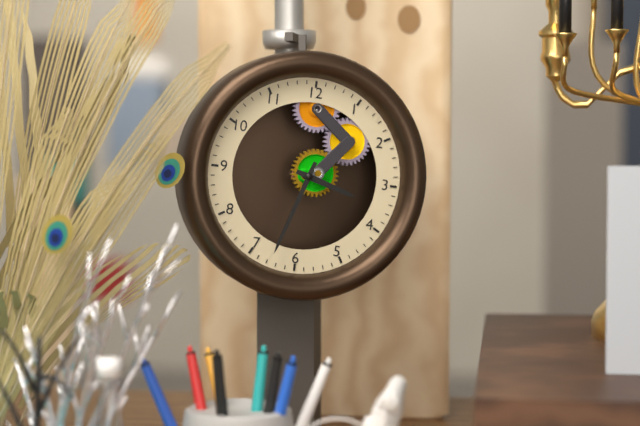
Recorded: h=3 m=33
